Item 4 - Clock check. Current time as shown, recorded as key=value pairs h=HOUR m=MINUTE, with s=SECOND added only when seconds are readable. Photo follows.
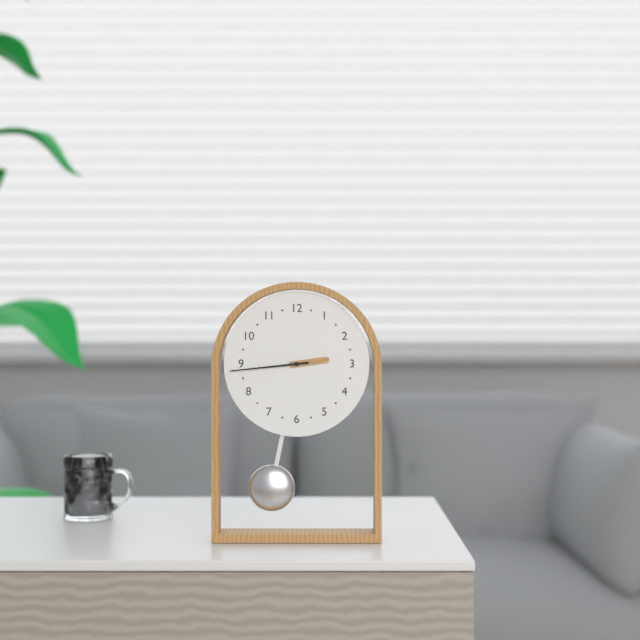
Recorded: h=2 m=44
